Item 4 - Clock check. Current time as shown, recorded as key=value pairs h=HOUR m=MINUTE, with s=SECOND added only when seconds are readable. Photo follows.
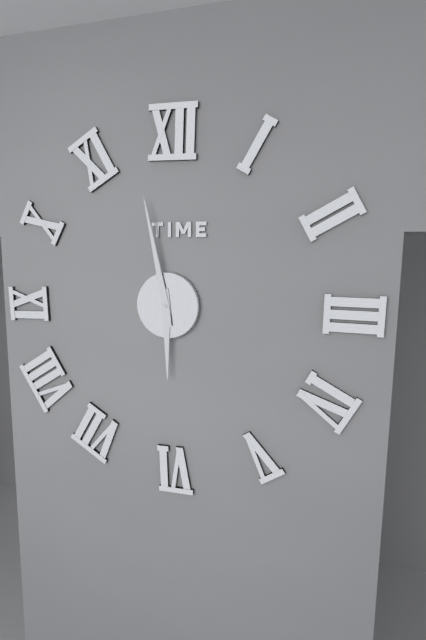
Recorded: h=5 m=58
